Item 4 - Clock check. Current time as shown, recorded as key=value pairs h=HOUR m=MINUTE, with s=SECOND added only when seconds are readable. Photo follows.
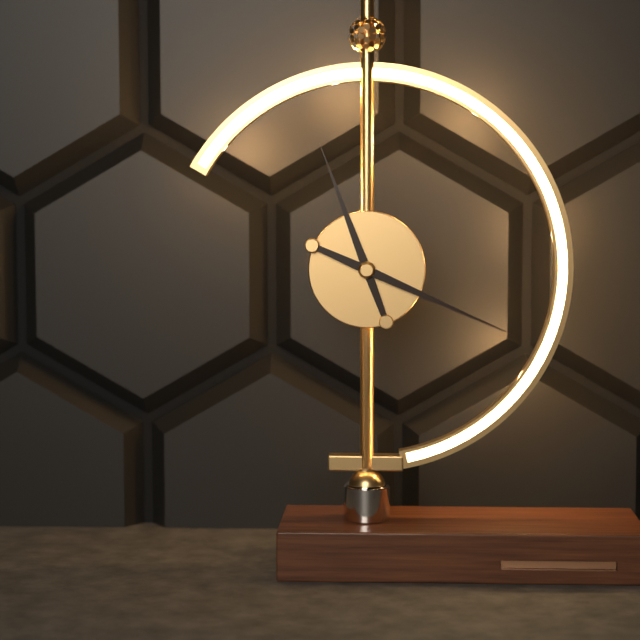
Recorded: h=11 m=19
